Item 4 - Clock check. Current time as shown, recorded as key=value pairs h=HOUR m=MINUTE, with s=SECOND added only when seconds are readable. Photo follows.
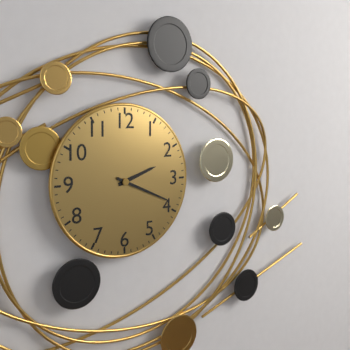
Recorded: h=2 m=19
